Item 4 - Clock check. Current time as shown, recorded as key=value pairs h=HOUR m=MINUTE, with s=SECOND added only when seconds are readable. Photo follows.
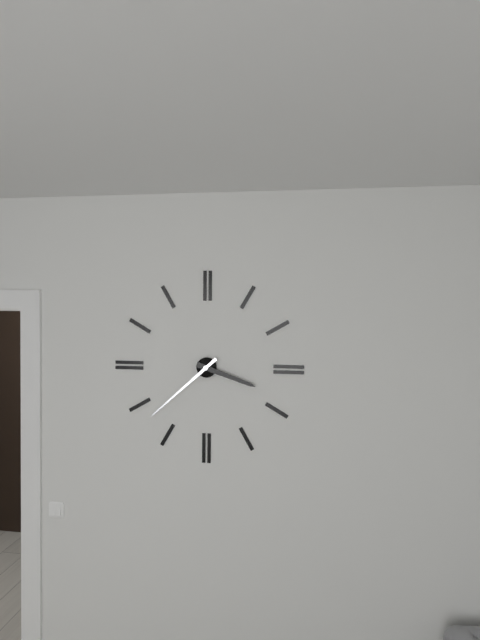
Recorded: h=3 m=38
